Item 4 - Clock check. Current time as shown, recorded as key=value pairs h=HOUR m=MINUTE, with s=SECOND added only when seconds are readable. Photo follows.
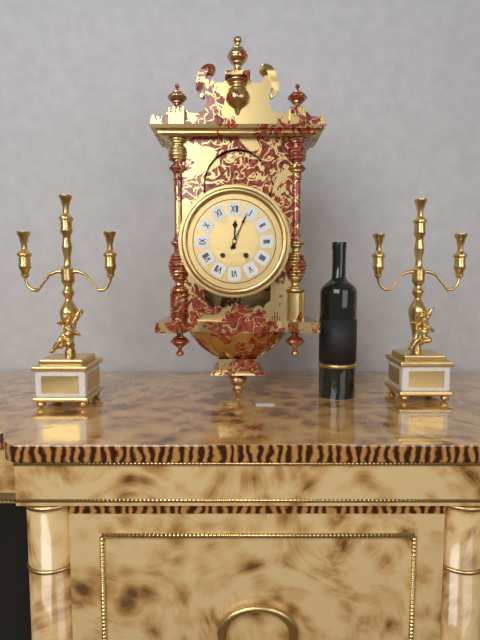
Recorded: h=12 m=4
